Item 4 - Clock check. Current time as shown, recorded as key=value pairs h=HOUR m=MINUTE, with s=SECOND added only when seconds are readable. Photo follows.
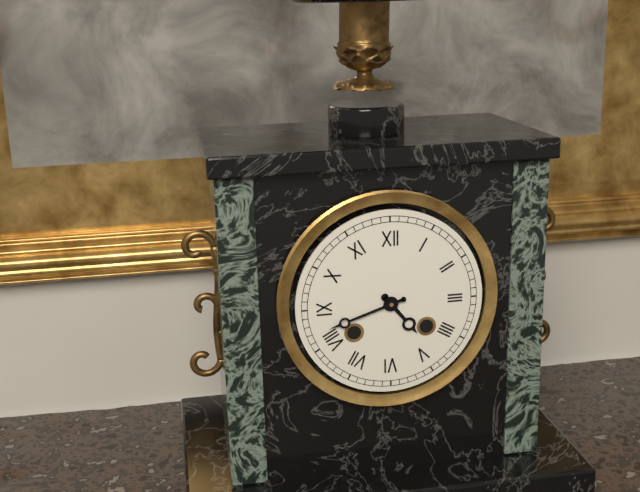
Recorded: h=4 m=42
